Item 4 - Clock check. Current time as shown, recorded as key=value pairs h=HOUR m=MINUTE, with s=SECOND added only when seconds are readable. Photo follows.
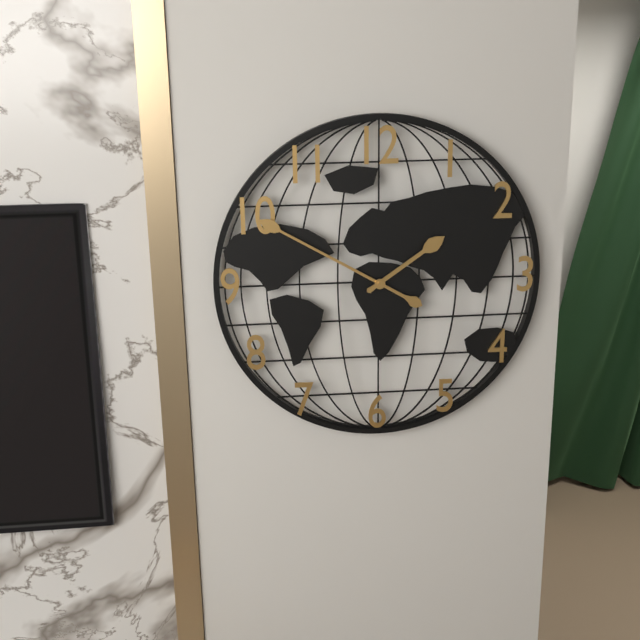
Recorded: h=1 m=50
